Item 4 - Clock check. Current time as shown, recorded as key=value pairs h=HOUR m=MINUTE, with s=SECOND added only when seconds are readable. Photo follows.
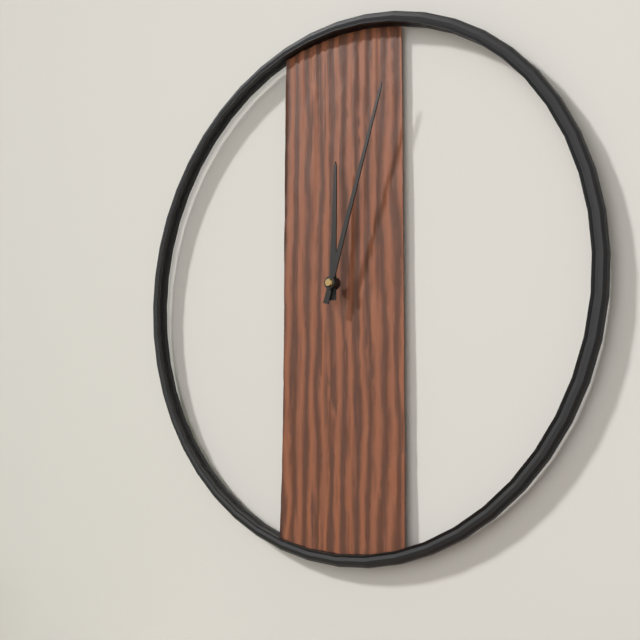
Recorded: h=12 m=3
